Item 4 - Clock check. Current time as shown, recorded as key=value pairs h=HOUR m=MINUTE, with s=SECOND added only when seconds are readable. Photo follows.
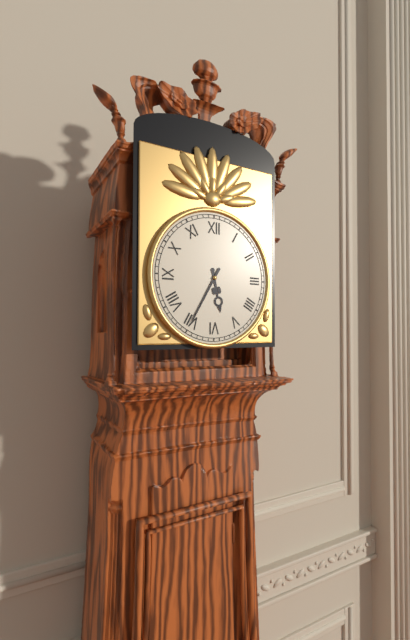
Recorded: h=5 m=35
